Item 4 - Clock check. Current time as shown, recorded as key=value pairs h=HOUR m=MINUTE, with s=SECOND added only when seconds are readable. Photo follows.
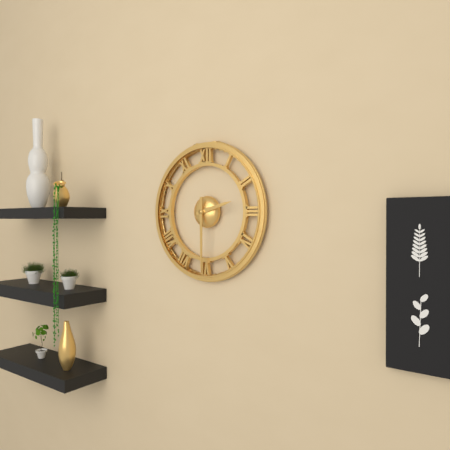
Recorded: h=2 m=30
